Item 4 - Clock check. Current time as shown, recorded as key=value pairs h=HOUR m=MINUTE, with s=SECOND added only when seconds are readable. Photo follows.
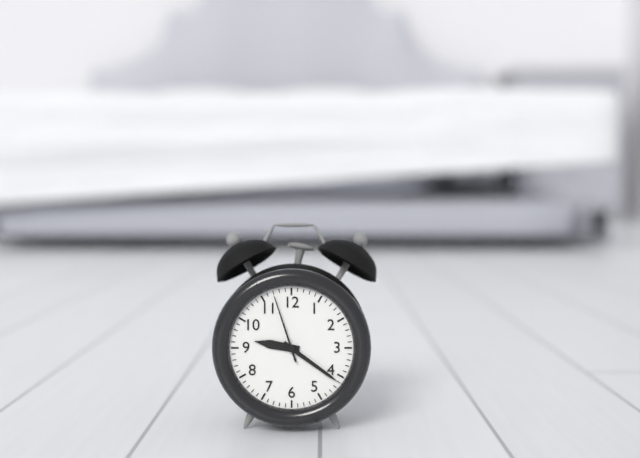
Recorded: h=9 m=21 s=57
